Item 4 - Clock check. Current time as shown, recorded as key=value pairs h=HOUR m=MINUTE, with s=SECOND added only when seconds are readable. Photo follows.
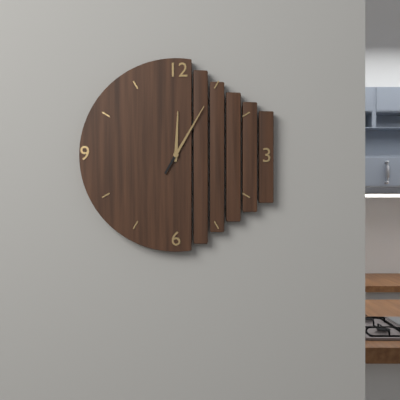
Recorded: h=12 m=5
